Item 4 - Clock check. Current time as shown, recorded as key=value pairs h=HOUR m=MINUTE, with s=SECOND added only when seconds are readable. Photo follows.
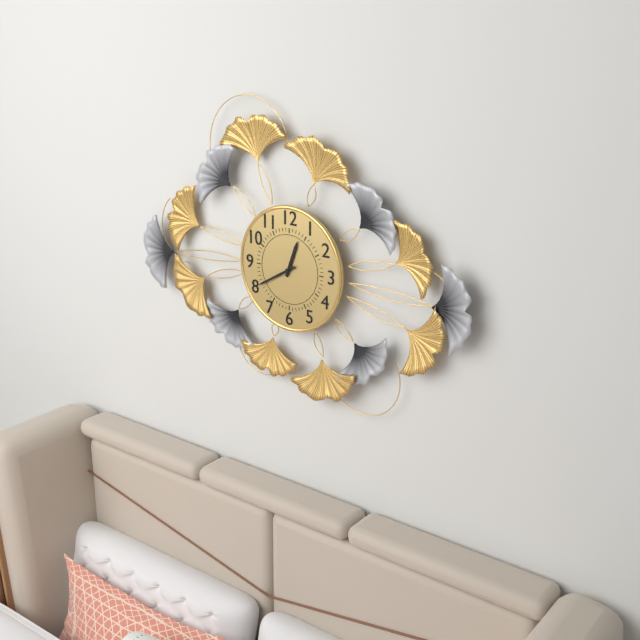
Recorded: h=12 m=40
